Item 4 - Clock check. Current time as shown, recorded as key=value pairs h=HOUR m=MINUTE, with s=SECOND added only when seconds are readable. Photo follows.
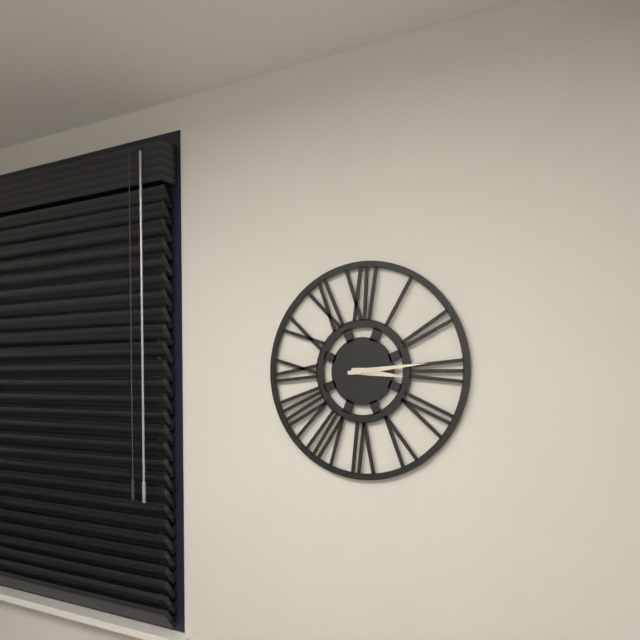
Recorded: h=3 m=14
